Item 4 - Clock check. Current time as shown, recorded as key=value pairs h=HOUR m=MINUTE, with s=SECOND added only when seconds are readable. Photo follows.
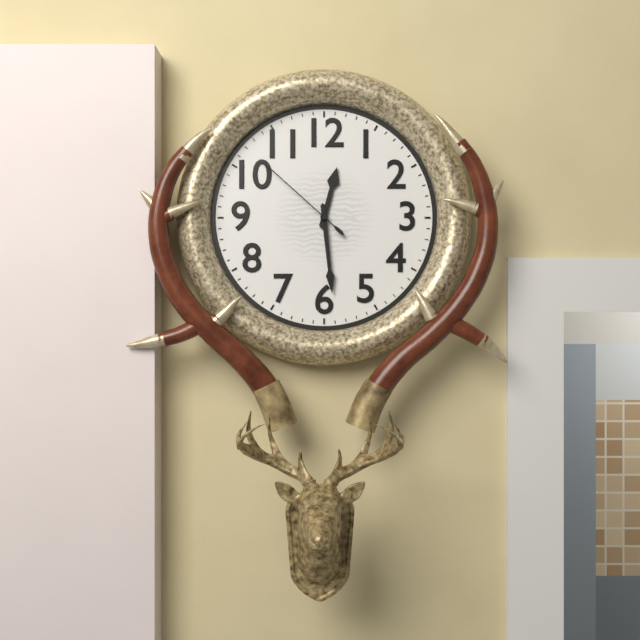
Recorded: h=12 m=29 s=52
